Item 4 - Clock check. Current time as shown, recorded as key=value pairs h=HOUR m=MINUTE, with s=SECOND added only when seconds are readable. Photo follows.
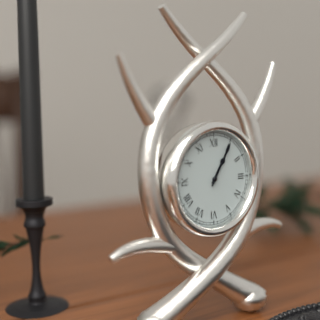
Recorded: h=1 m=5
